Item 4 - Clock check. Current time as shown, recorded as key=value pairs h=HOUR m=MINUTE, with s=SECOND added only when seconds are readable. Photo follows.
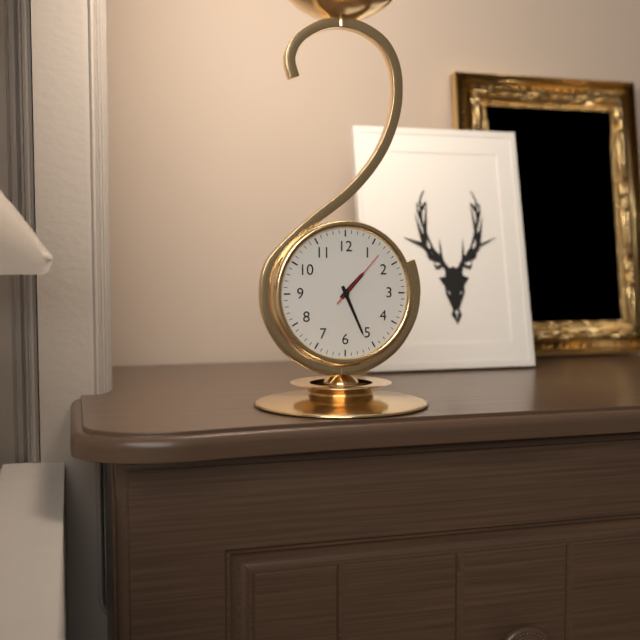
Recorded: h=1 m=26 s=7
